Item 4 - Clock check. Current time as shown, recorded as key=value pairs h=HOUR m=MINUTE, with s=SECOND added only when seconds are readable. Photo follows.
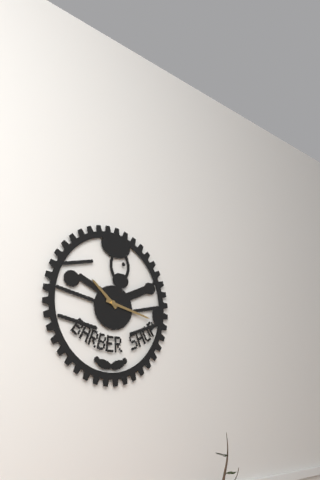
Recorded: h=10 m=17
